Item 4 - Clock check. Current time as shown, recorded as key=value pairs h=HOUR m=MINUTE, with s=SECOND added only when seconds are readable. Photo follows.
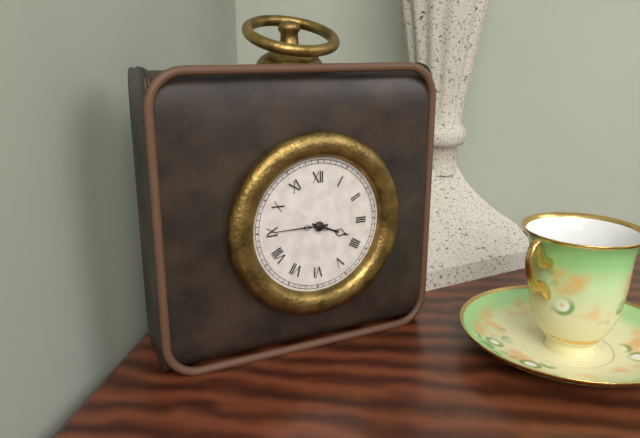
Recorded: h=3 m=45
